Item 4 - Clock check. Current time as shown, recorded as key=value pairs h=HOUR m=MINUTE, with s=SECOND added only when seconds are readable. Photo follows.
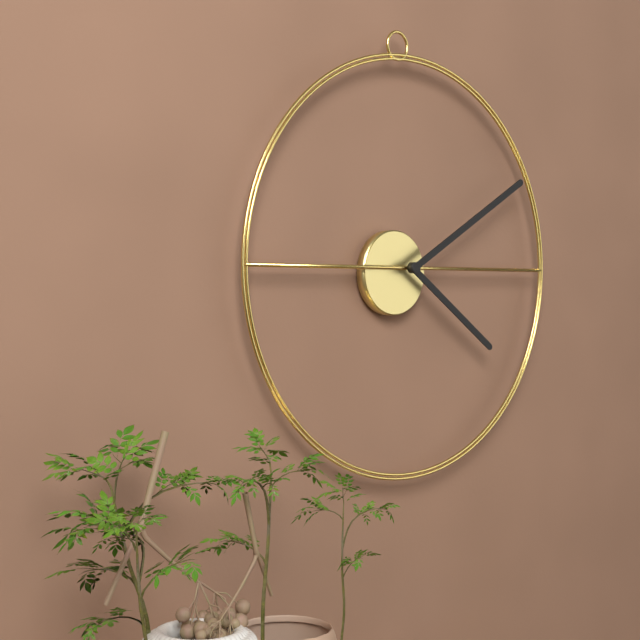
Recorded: h=4 m=10
